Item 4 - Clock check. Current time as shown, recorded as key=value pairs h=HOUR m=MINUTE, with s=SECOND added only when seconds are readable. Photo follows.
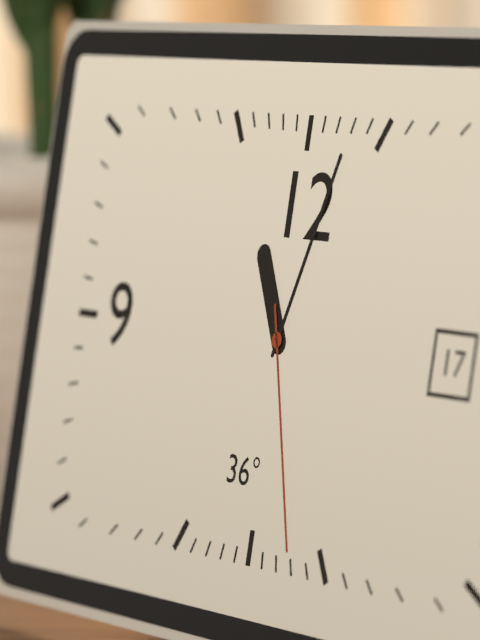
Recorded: h=11 m=3 s=27
